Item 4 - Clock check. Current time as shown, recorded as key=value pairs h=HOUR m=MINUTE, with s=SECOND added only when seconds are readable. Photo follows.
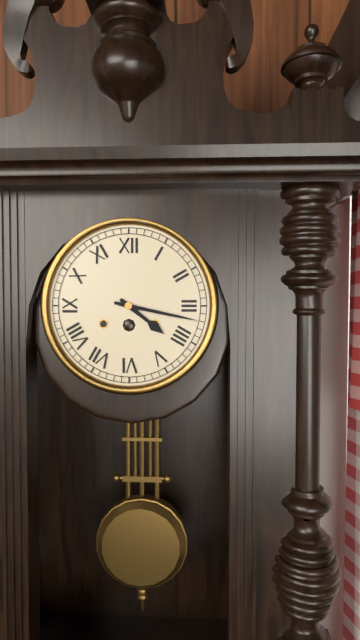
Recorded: h=4 m=17
